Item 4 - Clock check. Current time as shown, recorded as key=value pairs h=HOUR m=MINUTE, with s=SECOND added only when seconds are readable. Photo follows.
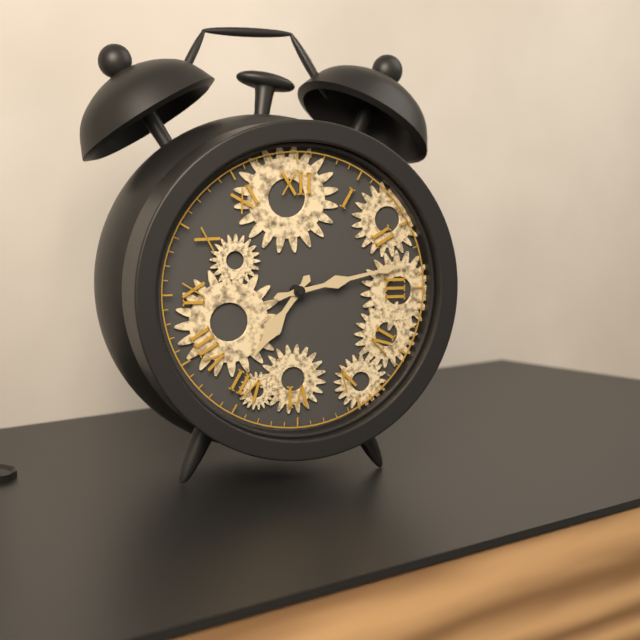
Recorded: h=7 m=13
